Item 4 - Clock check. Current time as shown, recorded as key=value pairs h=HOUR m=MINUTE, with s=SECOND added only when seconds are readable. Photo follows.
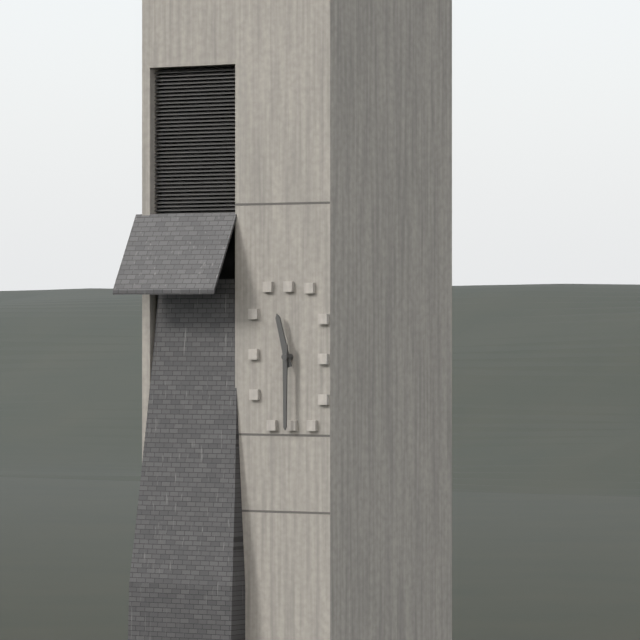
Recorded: h=11 m=30
